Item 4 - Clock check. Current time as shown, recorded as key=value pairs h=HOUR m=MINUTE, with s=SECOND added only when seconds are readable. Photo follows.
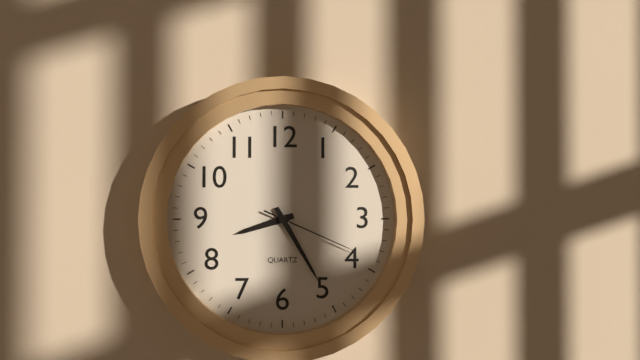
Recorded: h=8 m=25 s=19
